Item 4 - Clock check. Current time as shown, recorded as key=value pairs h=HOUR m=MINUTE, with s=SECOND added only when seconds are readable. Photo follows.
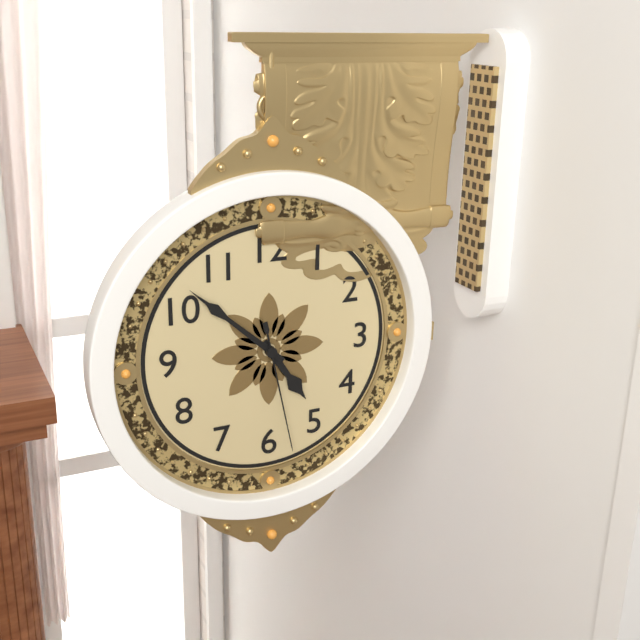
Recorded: h=4 m=52 s=28
